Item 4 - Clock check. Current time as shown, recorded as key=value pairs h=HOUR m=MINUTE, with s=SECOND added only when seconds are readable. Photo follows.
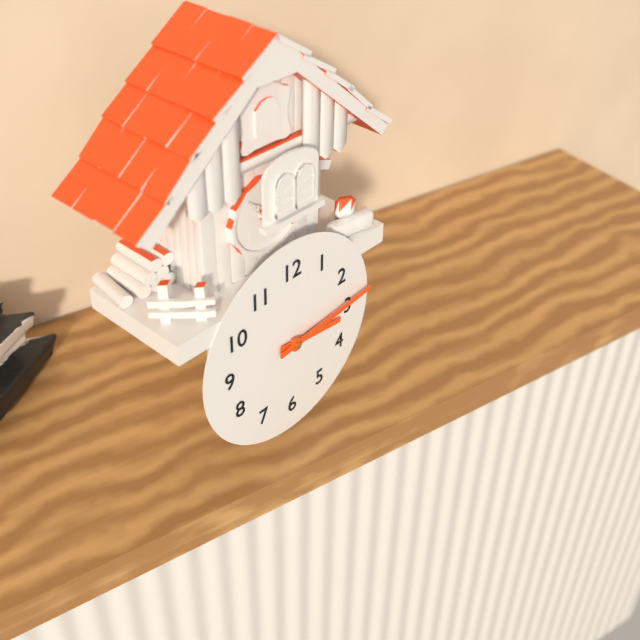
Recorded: h=3 m=14
